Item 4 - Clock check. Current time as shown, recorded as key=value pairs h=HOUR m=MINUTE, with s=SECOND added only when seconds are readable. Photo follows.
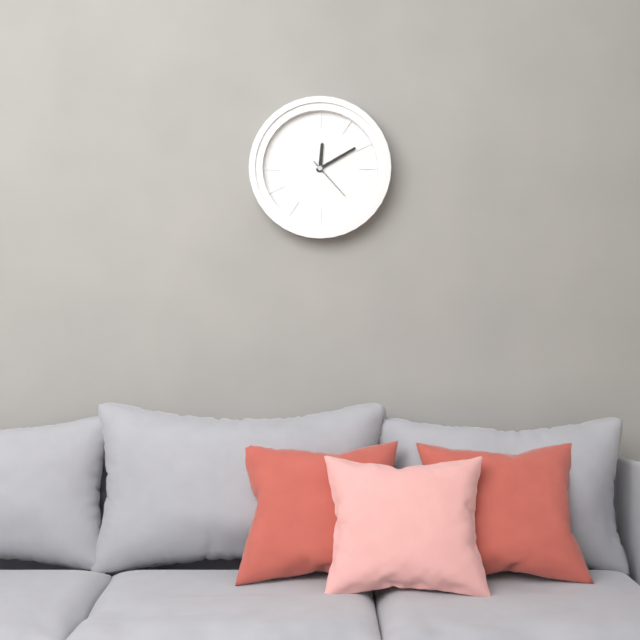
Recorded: h=12 m=10
